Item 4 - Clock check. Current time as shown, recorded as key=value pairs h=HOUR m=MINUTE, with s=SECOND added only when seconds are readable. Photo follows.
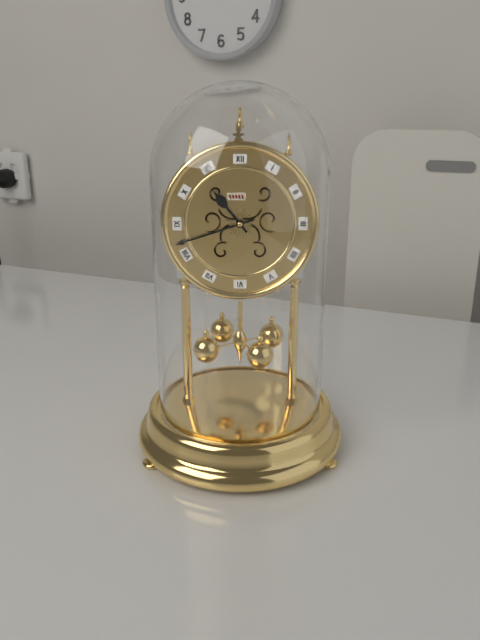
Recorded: h=10 m=42
